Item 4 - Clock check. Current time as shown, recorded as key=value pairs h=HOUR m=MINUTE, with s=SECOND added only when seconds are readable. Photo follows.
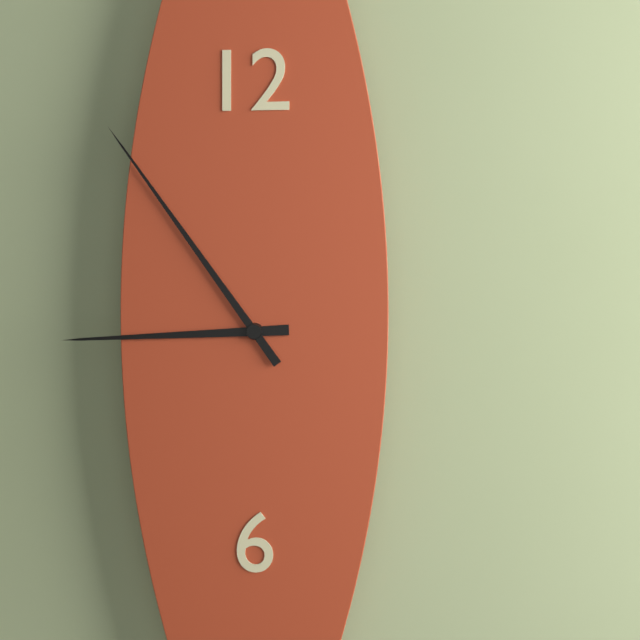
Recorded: h=8 m=54
